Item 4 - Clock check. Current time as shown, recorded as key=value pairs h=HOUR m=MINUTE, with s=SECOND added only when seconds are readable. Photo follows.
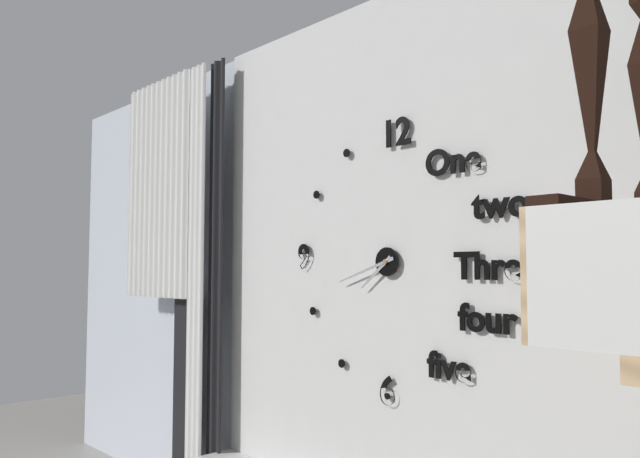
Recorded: h=7 m=42
